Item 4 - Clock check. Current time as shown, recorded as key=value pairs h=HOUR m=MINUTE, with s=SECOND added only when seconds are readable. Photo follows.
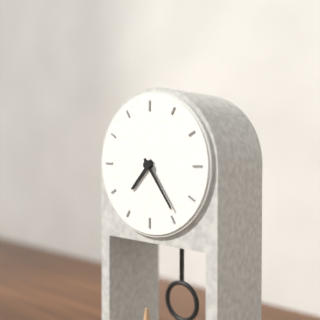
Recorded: h=7 m=24
